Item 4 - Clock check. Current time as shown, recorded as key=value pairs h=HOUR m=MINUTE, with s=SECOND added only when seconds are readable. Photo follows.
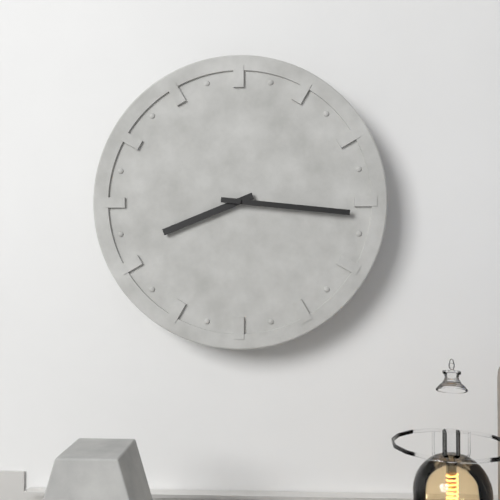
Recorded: h=8 m=16
